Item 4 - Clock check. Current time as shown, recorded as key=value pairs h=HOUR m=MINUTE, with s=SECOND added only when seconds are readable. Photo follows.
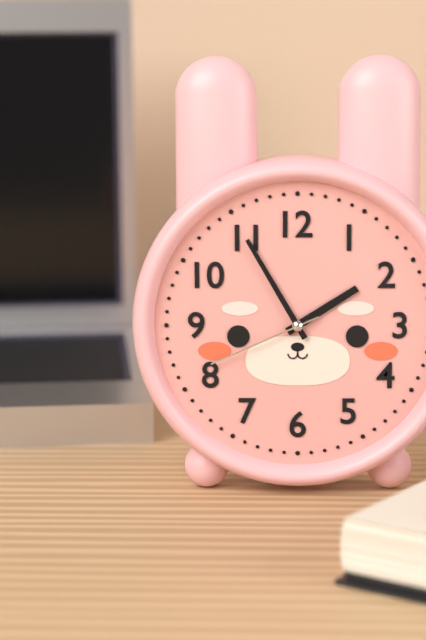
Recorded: h=1 m=55 s=41
